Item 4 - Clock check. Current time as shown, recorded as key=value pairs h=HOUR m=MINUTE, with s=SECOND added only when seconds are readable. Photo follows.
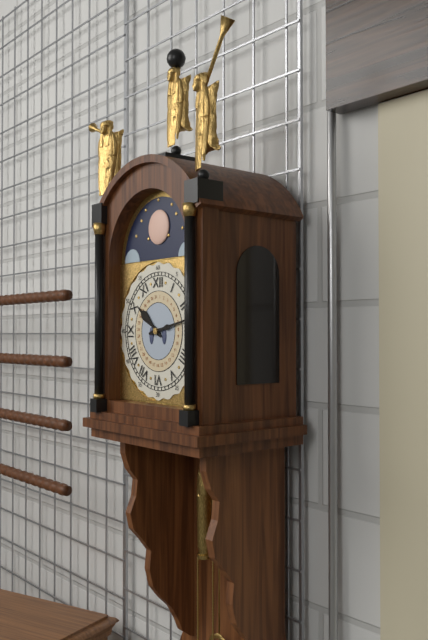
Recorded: h=10 m=13
